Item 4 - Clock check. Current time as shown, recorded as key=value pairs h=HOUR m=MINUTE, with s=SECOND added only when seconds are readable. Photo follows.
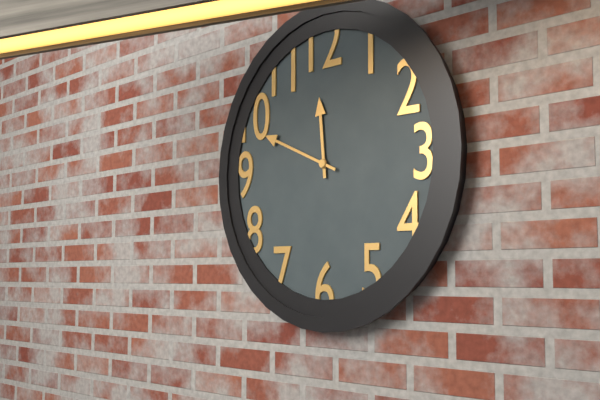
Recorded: h=11 m=49
